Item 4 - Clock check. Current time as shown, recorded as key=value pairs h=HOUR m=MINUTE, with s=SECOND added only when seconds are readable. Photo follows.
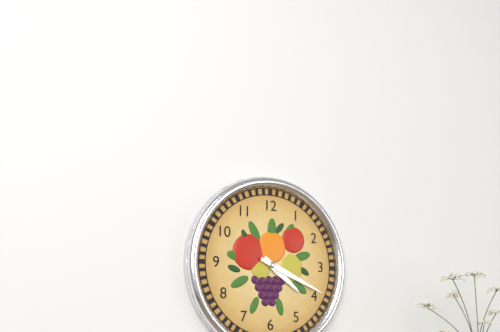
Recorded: h=4 m=19
